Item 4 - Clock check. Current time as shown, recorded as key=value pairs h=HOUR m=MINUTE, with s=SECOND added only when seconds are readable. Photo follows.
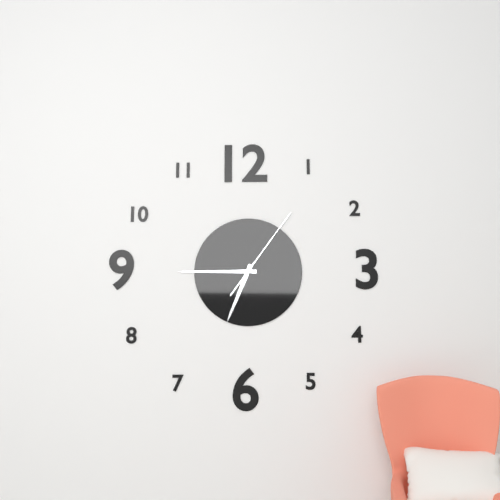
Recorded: h=6 m=45 s=6
